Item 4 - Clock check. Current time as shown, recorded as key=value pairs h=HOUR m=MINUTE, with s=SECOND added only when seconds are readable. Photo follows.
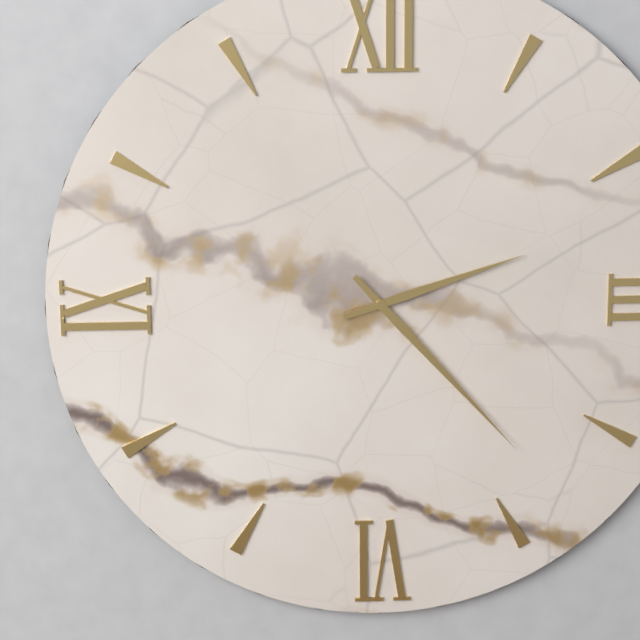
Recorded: h=2 m=23
